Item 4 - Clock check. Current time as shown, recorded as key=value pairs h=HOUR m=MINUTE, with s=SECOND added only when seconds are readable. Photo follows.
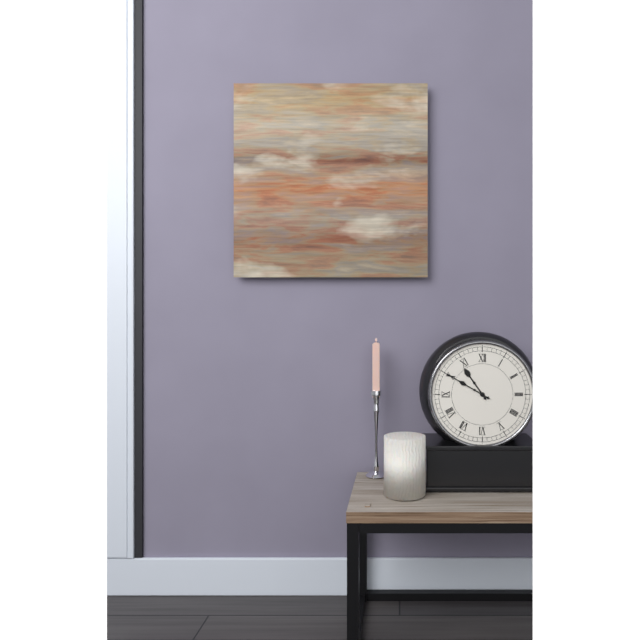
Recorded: h=10 m=50
